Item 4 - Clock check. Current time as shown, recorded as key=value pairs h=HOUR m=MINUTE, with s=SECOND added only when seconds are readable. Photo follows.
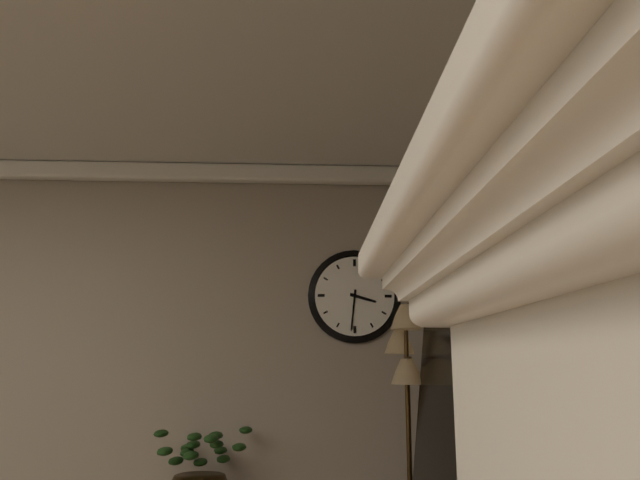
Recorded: h=3 m=31
